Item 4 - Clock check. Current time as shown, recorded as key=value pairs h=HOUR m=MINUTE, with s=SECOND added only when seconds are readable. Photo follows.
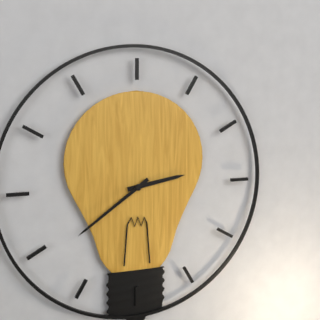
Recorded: h=2 m=39
